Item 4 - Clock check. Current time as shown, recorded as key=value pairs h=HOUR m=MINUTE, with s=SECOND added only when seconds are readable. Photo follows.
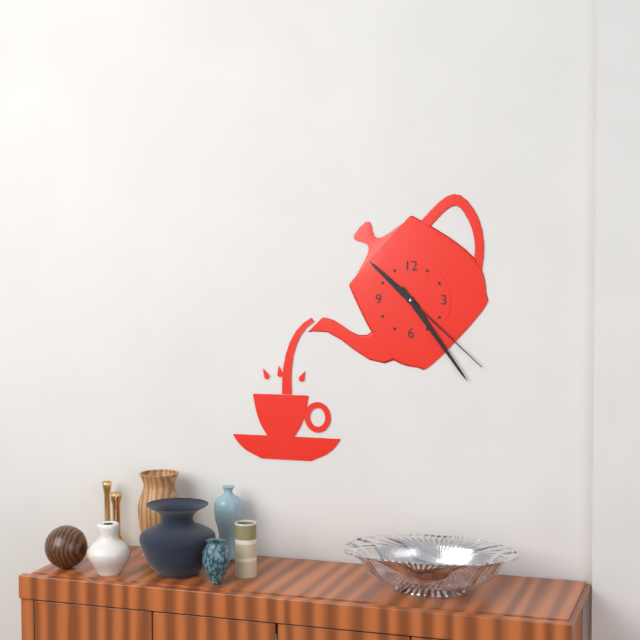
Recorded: h=10 m=24 s=22
